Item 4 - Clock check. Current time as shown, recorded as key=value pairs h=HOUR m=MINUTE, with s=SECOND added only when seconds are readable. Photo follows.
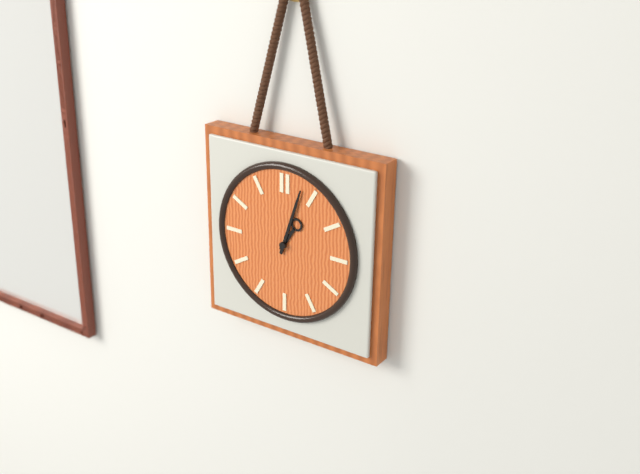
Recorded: h=1 m=3
